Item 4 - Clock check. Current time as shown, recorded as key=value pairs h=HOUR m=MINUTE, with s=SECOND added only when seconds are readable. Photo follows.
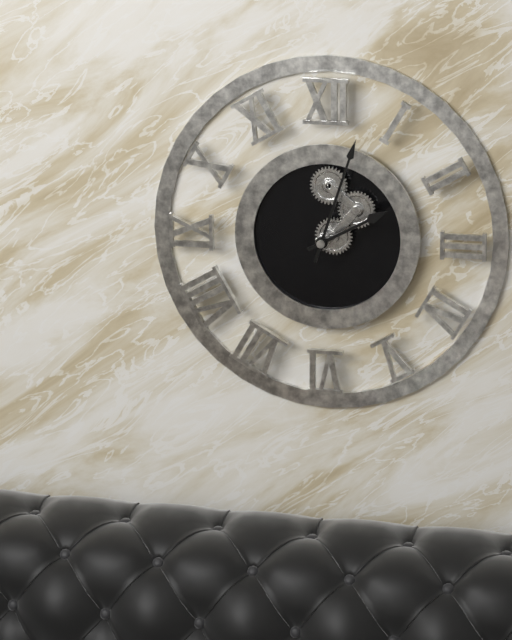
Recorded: h=2 m=3
